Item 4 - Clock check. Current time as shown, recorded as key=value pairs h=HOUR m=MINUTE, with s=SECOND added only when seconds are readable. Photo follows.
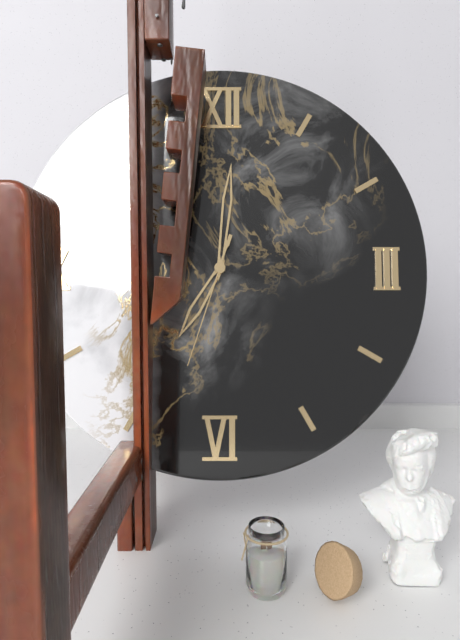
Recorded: h=7 m=1 s=33
